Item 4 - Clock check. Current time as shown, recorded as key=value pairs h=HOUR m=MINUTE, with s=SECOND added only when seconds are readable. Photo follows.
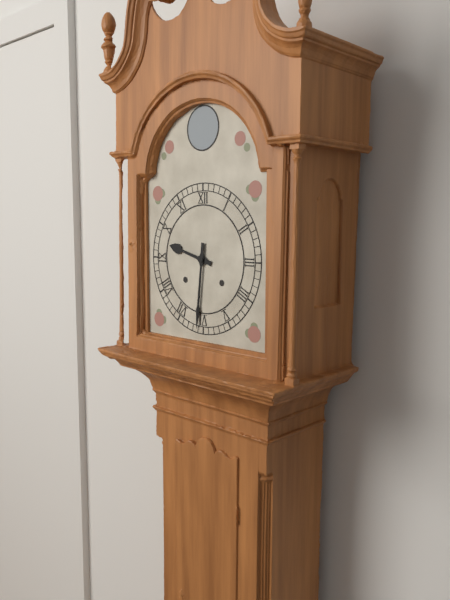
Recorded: h=9 m=31
